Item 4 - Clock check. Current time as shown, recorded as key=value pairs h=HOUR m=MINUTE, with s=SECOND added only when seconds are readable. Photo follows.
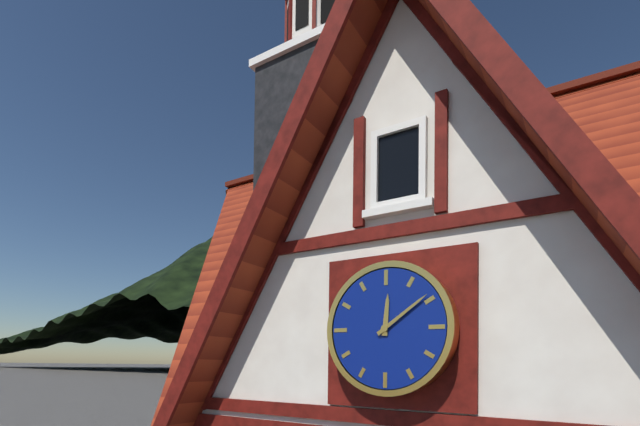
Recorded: h=12 m=9
